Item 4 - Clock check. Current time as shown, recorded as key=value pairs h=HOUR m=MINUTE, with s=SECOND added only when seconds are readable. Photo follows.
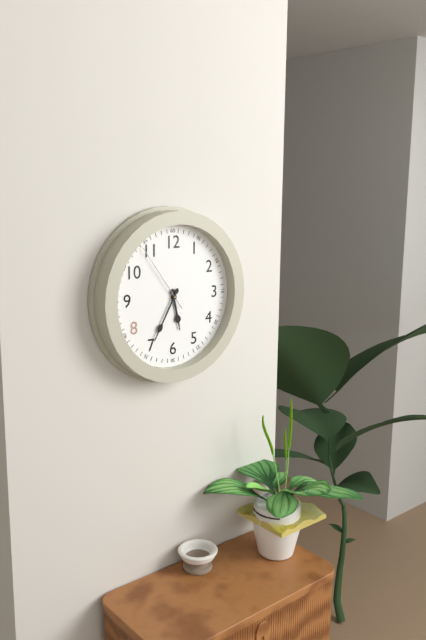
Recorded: h=5 m=35 s=54
